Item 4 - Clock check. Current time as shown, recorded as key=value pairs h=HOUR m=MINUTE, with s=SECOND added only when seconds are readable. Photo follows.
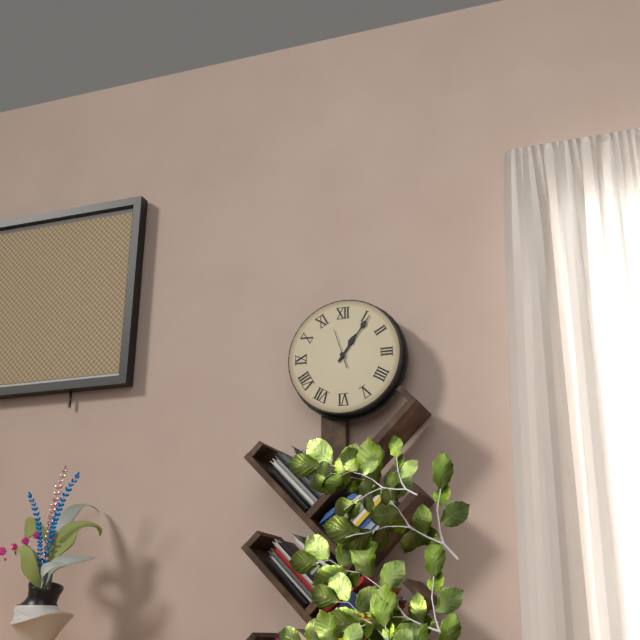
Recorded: h=1 m=6
